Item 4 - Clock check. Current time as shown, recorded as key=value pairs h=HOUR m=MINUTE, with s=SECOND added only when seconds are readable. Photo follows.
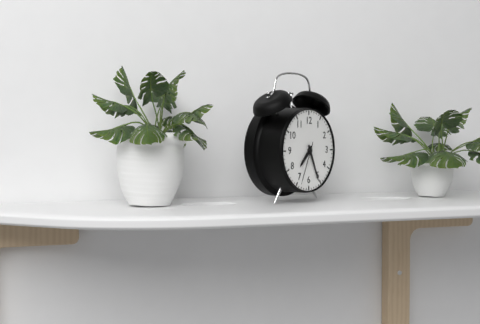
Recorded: h=7 m=26
